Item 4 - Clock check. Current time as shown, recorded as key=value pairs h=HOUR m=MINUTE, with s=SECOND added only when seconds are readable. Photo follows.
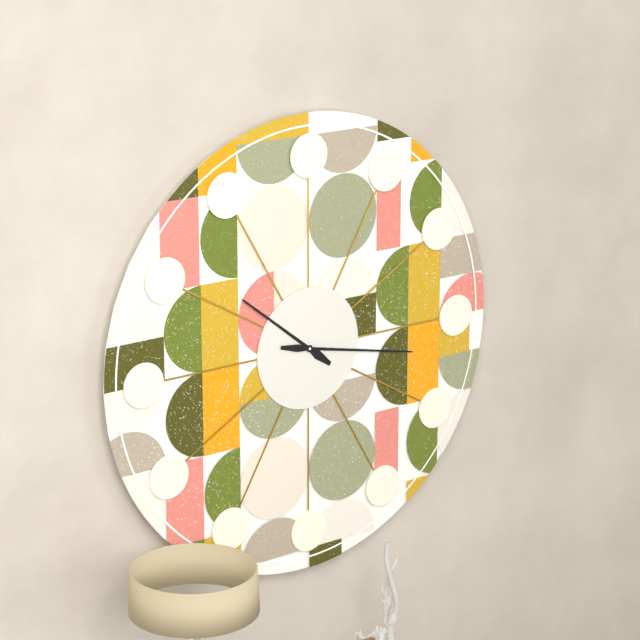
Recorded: h=10 m=17
